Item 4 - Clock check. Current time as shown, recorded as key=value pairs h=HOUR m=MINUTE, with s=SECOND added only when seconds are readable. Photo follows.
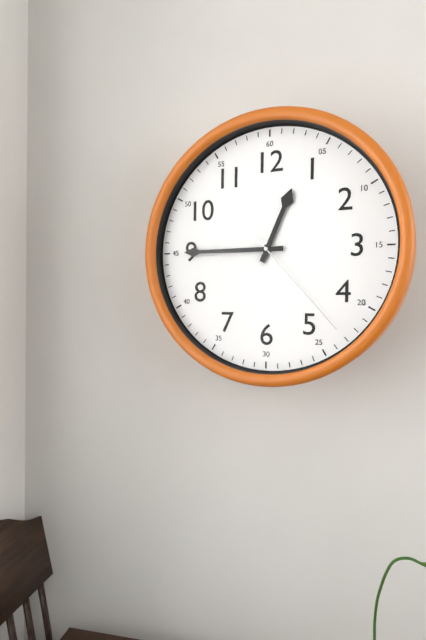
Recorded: h=12 m=45 s=23
